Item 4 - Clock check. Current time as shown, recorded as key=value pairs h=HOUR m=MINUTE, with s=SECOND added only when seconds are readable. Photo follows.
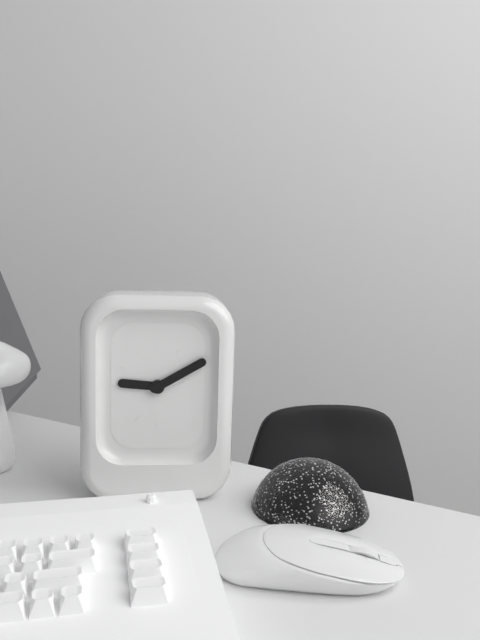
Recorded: h=9 m=10
